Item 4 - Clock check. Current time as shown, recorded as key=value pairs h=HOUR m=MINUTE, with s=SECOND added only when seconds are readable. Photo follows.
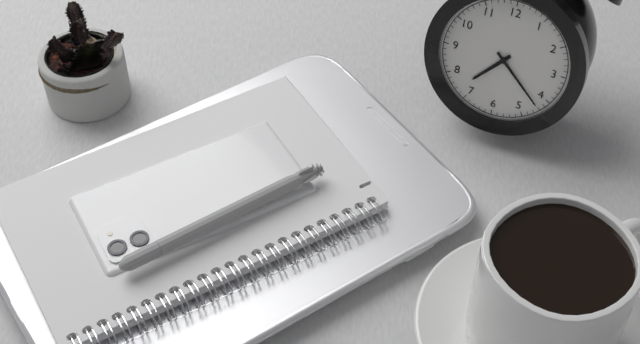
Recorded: h=7 m=22
